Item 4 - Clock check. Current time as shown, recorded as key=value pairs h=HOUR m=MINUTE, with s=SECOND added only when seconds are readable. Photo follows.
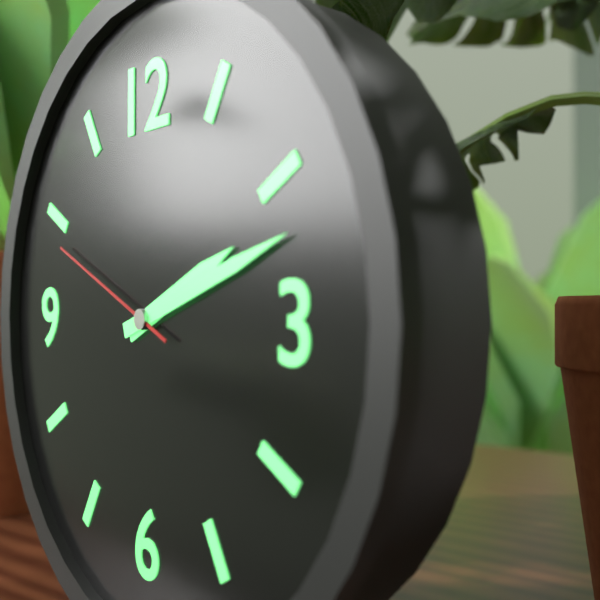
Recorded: h=2 m=12 s=49
